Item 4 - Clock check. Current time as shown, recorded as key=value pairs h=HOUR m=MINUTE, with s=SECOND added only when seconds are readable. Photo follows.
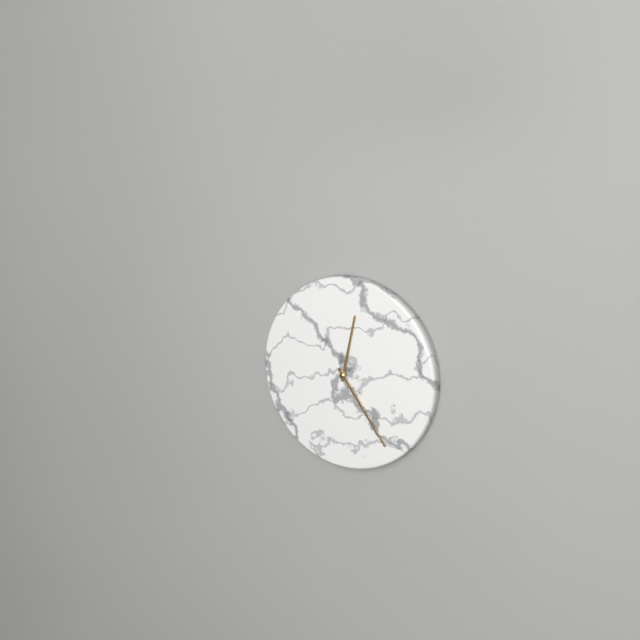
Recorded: h=12 m=24
